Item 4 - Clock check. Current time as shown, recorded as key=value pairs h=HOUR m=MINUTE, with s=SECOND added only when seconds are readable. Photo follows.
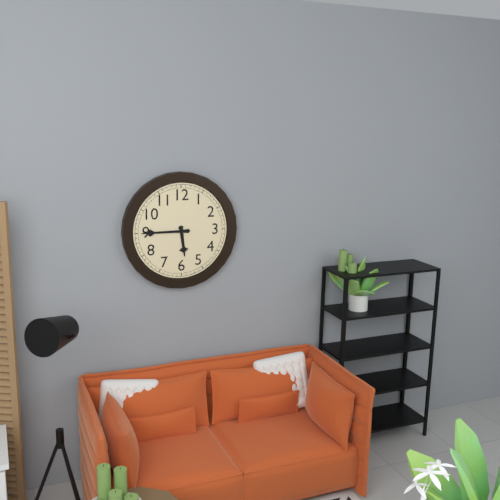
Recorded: h=5 m=45
